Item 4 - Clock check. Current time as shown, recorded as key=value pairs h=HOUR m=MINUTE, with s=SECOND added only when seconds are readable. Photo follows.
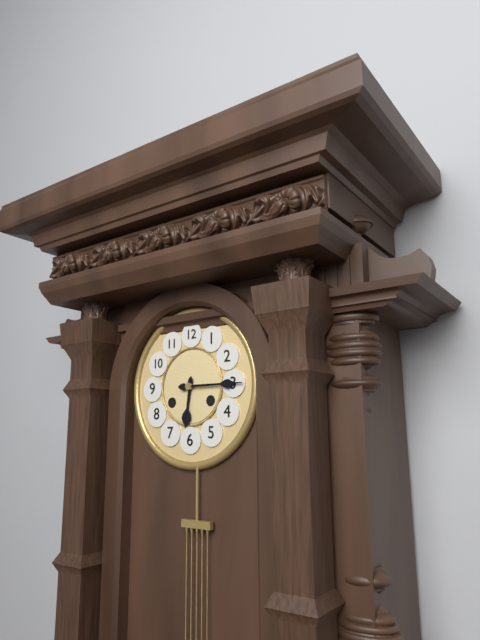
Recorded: h=6 m=15
